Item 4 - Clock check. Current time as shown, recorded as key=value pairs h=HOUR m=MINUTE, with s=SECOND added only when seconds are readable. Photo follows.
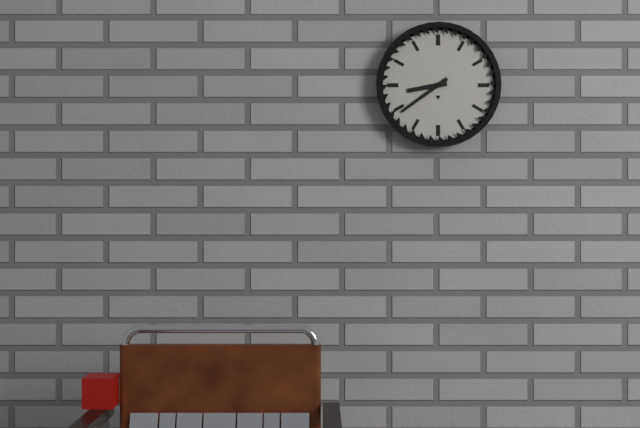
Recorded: h=8 m=39
